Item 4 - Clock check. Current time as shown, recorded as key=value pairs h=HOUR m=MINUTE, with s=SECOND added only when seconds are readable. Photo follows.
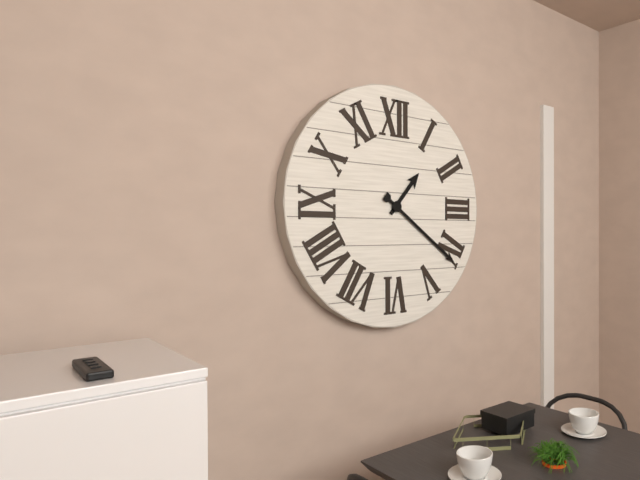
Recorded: h=1 m=21
